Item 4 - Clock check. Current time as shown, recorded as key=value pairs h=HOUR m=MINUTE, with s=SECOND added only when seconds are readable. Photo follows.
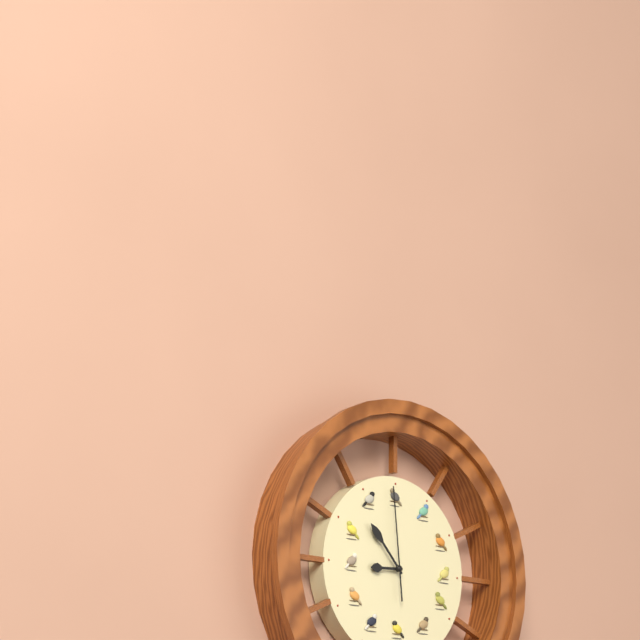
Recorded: h=8 m=53 s=59
